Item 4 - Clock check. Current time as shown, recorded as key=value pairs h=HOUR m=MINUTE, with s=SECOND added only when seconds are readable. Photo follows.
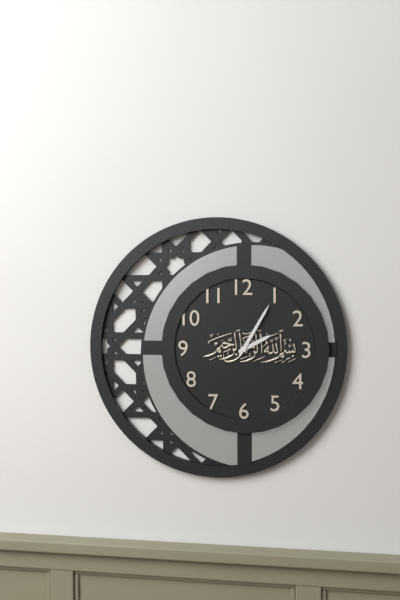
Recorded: h=2 m=5
